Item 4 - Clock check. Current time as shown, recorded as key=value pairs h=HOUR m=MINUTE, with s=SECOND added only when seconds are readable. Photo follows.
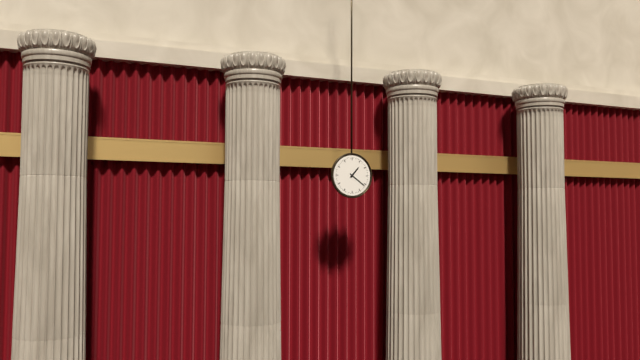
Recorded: h=1 m=21
